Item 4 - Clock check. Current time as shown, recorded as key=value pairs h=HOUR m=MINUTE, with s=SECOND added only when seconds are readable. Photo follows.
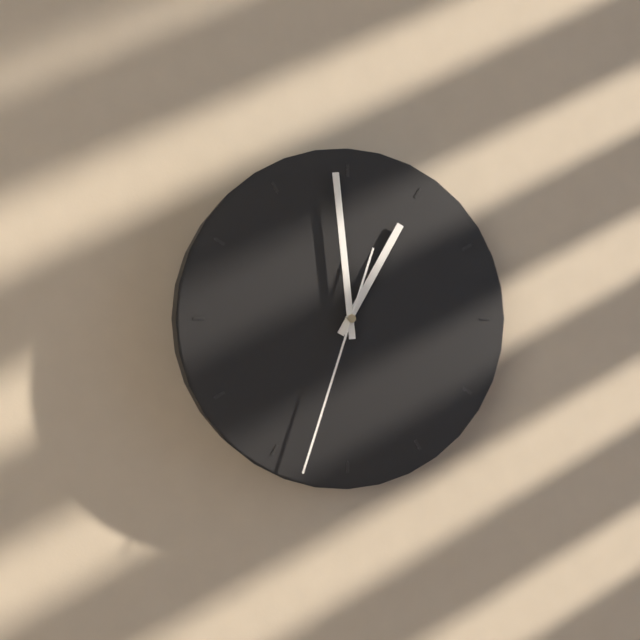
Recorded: h=12 m=59 s=33
